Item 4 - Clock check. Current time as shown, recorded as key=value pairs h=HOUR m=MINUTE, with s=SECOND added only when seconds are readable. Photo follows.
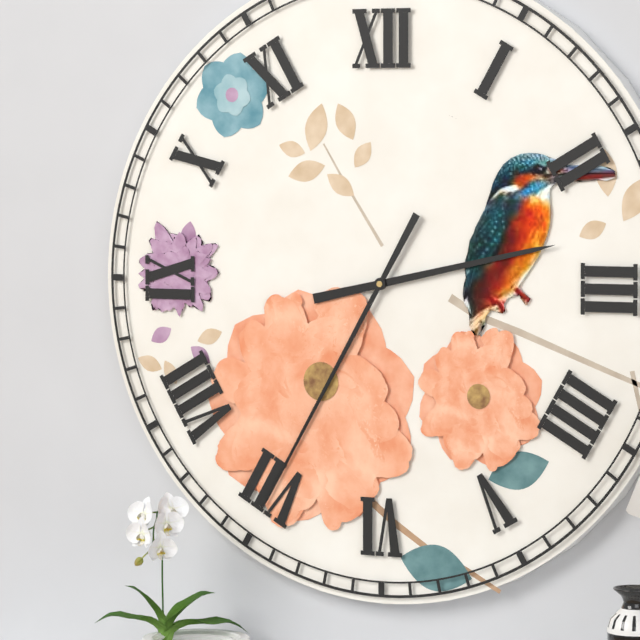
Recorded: h=2 m=35
